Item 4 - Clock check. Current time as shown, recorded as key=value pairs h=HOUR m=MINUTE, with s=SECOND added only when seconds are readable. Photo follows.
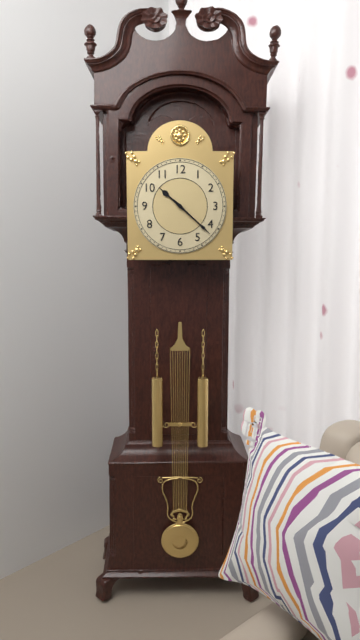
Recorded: h=10 m=22
